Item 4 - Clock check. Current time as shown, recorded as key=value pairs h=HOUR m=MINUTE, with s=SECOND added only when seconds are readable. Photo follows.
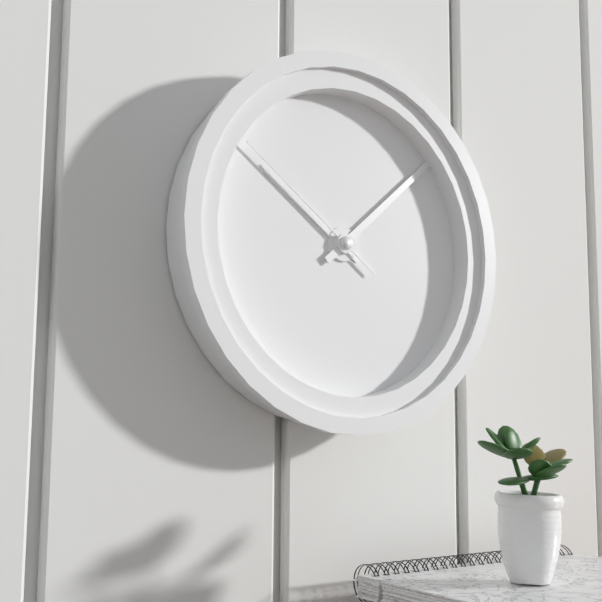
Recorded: h=10 m=8 s=51
